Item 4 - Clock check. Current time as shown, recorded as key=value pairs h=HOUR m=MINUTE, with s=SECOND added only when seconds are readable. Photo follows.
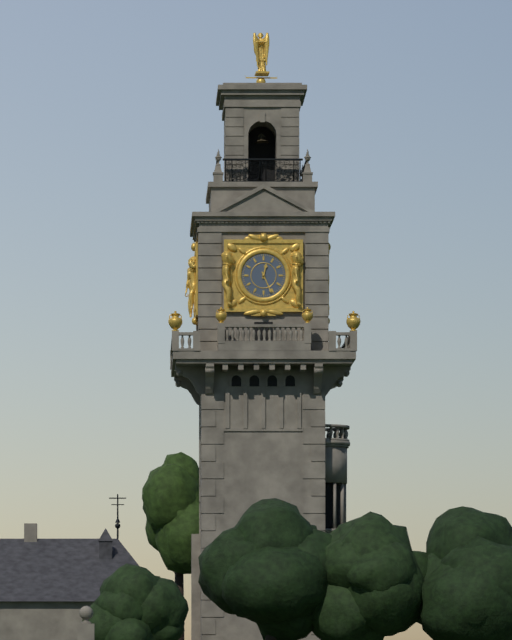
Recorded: h=12 m=26
